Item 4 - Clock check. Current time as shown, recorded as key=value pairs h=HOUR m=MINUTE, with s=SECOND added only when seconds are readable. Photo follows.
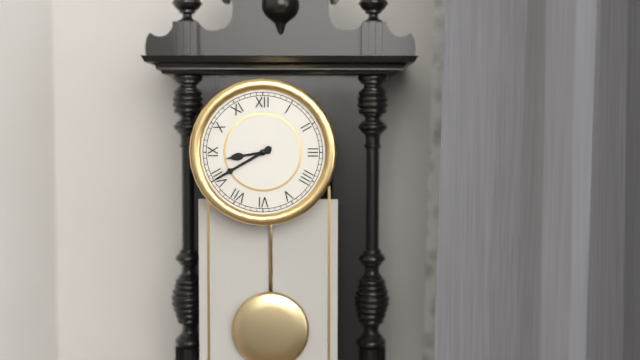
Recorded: h=8 m=40
